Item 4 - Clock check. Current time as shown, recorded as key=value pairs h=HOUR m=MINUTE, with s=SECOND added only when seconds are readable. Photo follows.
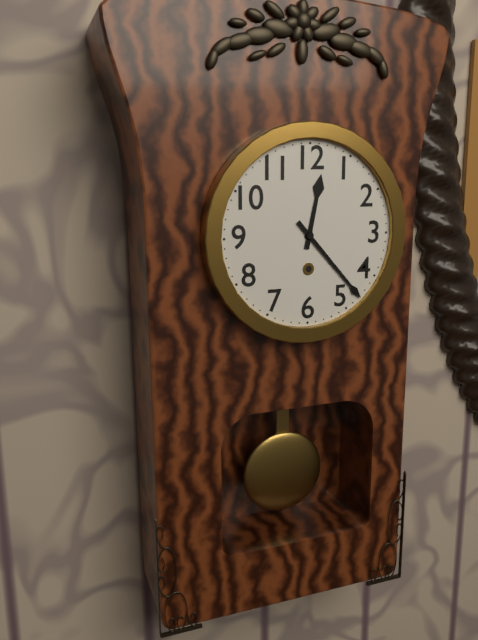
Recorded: h=12 m=23
